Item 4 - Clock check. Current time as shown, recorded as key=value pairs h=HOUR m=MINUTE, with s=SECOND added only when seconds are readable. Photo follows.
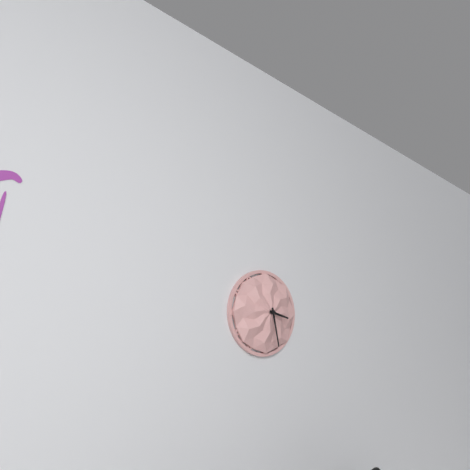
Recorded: h=3 m=28
